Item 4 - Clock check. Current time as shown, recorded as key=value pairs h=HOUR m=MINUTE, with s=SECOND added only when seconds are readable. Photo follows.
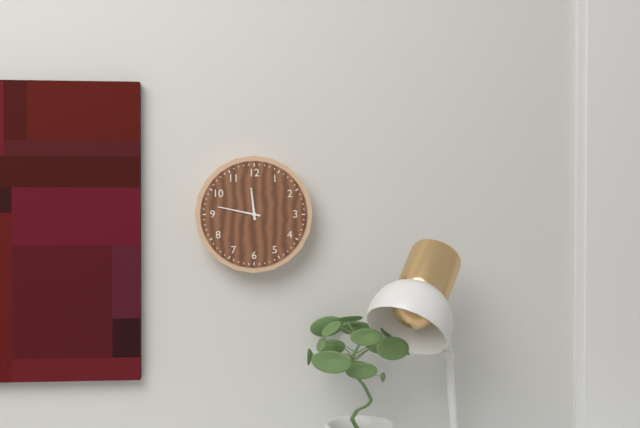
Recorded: h=11 m=47
